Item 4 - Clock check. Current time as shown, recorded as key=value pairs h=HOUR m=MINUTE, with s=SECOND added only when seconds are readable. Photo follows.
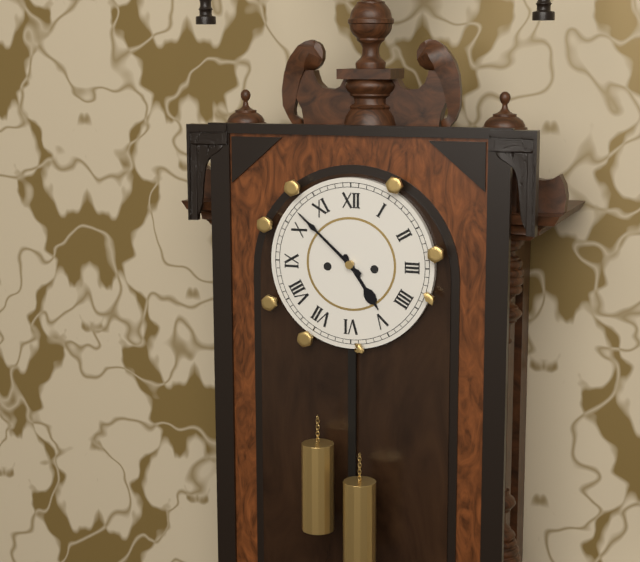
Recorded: h=4 m=52
